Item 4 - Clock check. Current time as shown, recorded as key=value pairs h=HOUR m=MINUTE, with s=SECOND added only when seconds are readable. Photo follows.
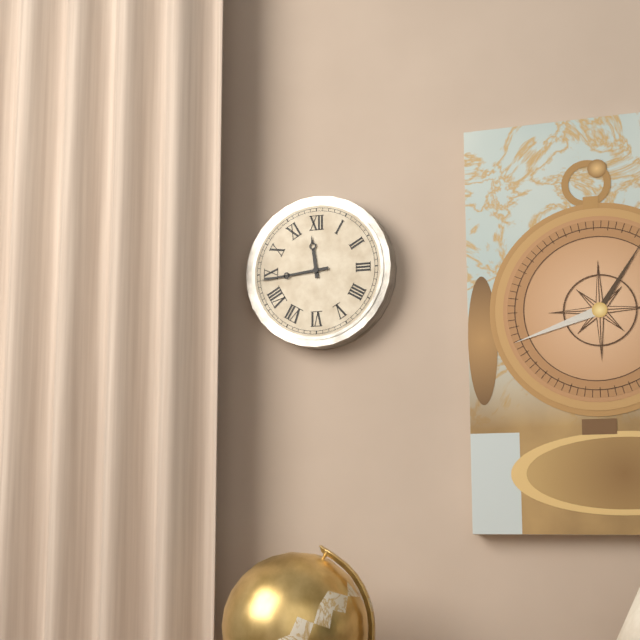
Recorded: h=11 m=44
